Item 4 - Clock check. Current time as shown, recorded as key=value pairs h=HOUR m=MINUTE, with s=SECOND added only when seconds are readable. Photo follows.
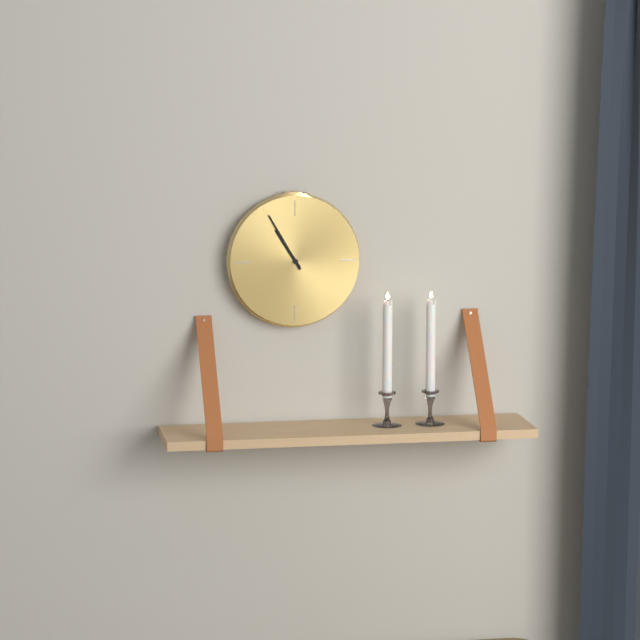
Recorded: h=10 m=55
